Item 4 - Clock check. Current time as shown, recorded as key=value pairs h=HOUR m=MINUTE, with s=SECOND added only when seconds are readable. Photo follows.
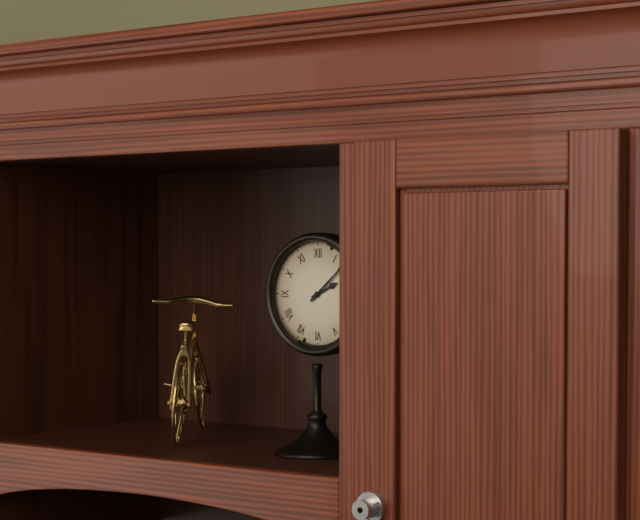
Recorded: h=2 m=8
